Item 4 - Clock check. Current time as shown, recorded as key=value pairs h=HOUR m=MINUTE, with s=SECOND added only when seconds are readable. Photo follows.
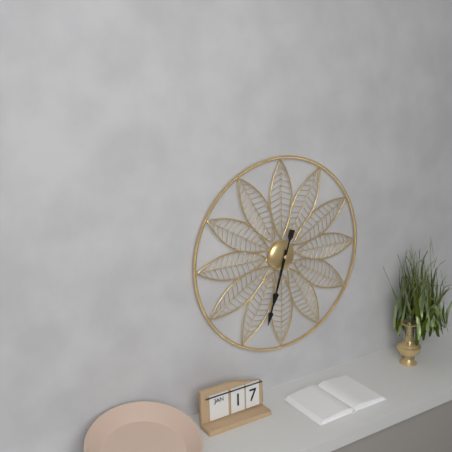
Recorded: h=6 m=33
